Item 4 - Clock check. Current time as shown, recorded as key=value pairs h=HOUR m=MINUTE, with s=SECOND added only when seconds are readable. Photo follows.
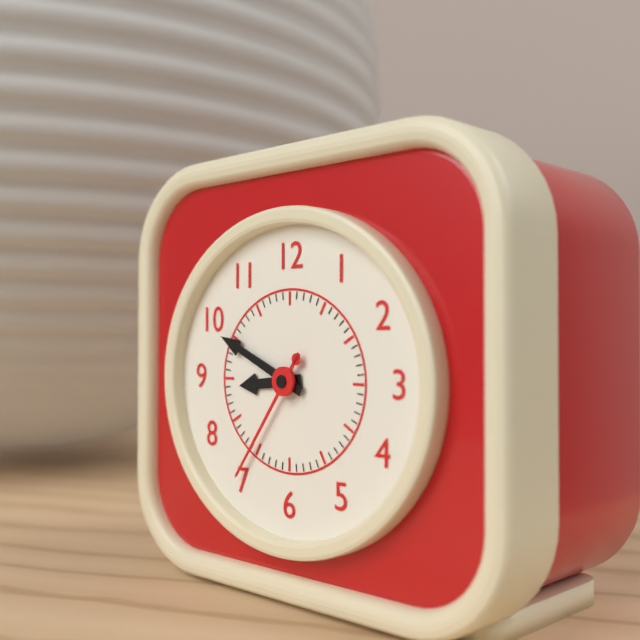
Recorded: h=8 m=49 s=36
